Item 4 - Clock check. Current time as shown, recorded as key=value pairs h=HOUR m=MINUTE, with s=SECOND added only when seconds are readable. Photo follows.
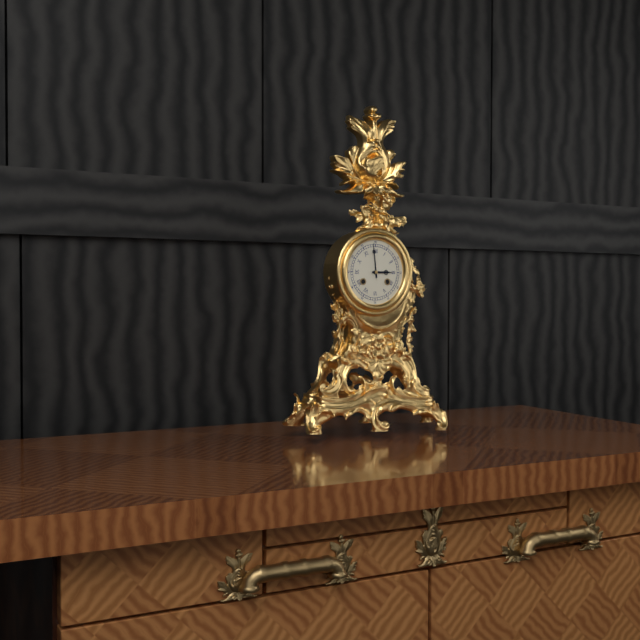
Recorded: h=2 m=59
